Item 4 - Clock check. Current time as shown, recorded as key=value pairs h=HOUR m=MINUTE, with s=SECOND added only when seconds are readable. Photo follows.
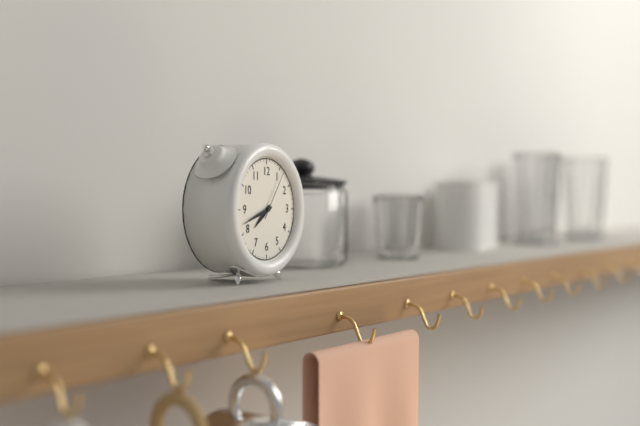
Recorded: h=7 m=42 s=6
